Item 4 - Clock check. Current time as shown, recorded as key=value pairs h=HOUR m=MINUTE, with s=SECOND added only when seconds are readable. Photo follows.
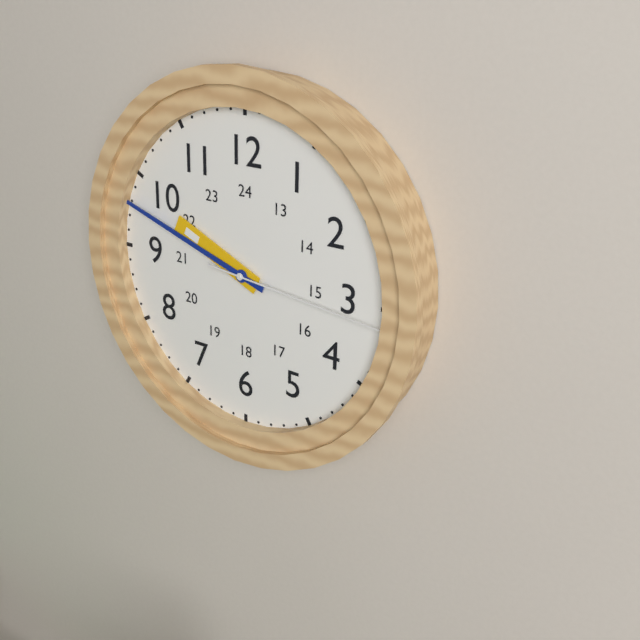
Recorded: h=9 m=48 s=16
